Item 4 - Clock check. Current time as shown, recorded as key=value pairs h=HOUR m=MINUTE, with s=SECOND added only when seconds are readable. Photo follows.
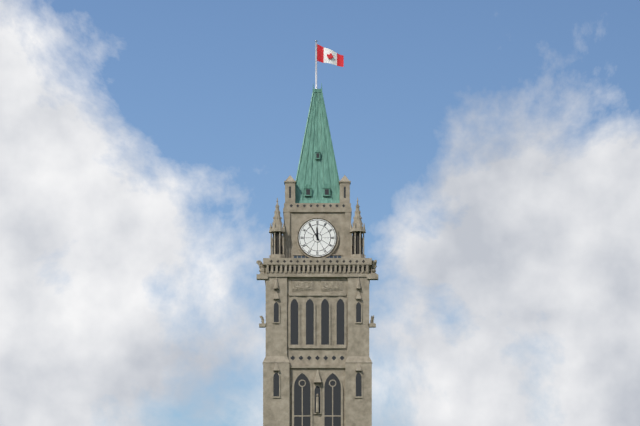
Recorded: h=11 m=55
